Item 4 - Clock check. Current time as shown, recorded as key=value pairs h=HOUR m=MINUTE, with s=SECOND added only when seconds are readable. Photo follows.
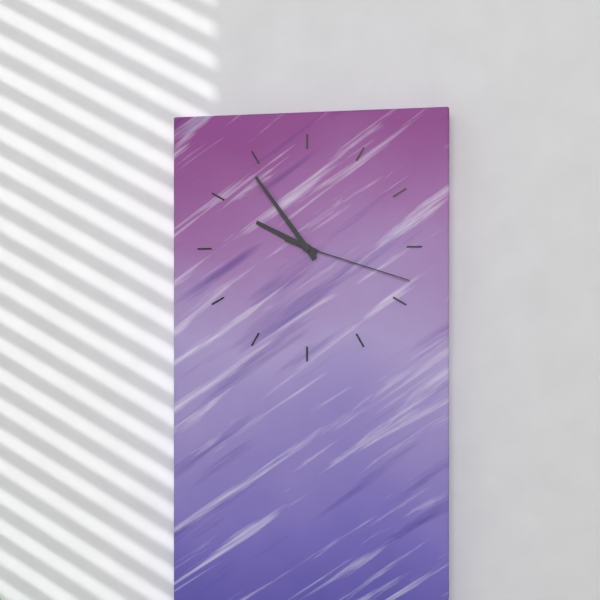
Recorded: h=9 m=54 s=18
